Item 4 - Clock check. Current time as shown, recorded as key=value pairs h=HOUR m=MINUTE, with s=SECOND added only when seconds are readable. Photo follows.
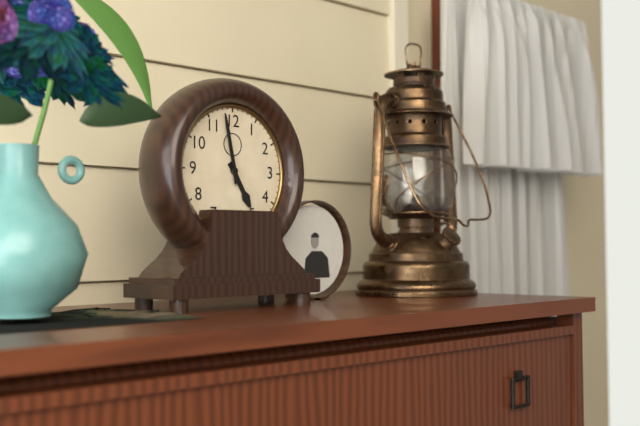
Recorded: h=4 m=58
